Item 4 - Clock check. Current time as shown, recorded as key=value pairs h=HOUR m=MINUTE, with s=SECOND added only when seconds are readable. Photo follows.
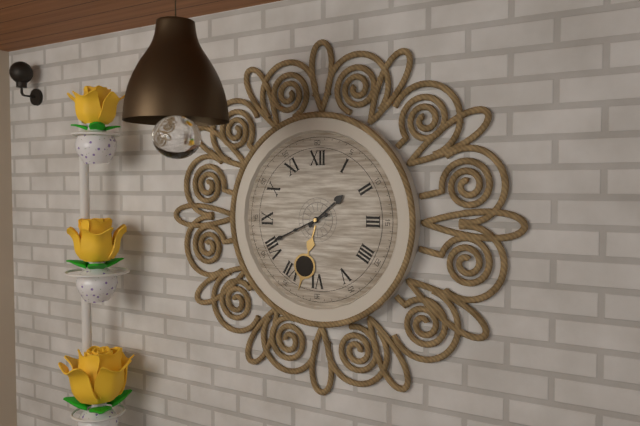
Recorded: h=1 m=41
